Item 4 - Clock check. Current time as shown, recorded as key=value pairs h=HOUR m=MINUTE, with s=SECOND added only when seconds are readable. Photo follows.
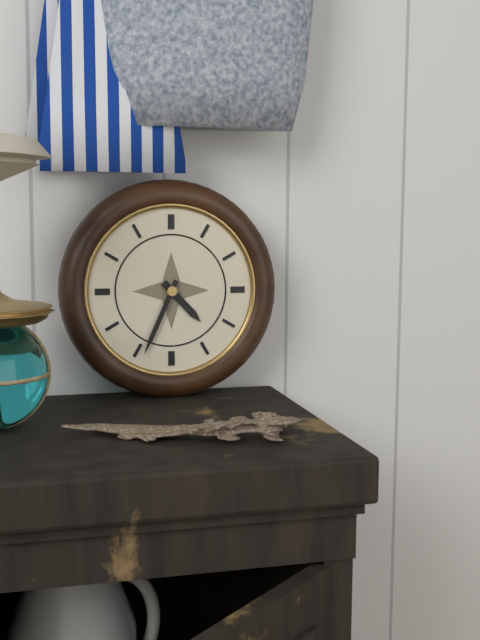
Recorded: h=4 m=34
